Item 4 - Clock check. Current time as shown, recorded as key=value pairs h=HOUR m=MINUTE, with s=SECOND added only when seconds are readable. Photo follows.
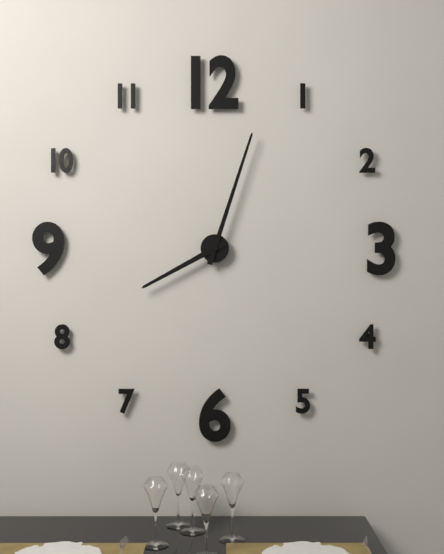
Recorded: h=8 m=3
